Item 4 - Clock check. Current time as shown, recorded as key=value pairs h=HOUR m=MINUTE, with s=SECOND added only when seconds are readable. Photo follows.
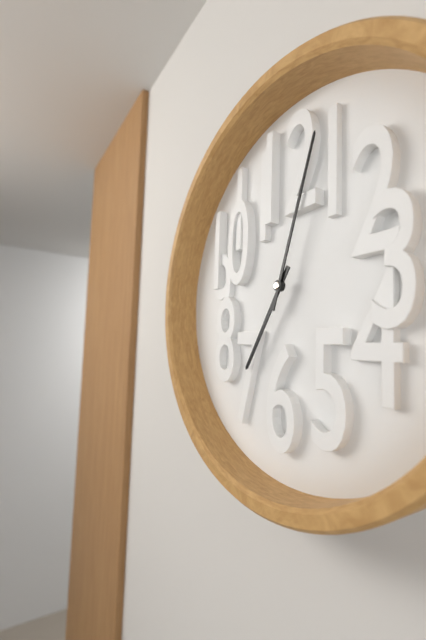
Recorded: h=7 m=3
